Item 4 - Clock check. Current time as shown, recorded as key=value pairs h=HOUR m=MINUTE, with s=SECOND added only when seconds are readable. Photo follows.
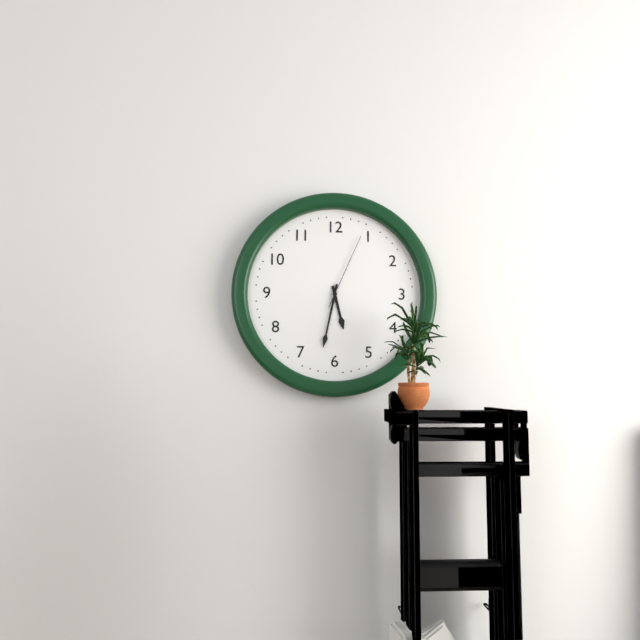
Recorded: h=5 m=32 s=4
